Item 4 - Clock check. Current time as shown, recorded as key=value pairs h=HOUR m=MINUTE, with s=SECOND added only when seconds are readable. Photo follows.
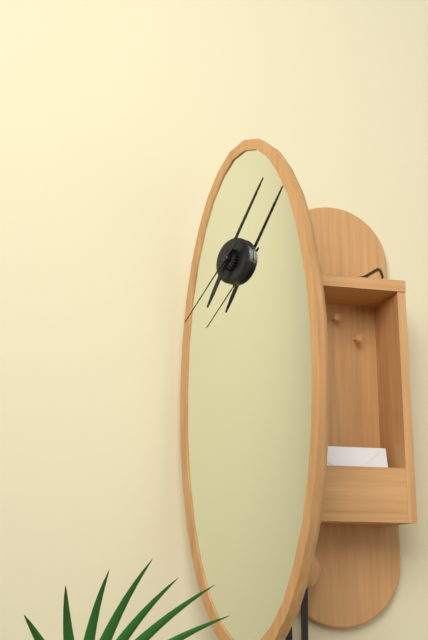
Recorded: h=7 m=6 s=38
